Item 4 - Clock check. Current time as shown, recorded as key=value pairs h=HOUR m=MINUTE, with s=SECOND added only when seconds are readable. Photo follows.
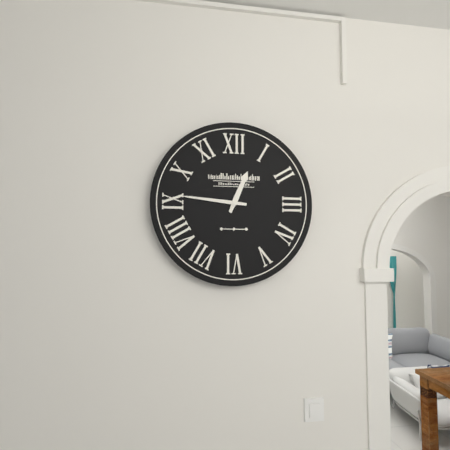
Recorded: h=12 m=46
